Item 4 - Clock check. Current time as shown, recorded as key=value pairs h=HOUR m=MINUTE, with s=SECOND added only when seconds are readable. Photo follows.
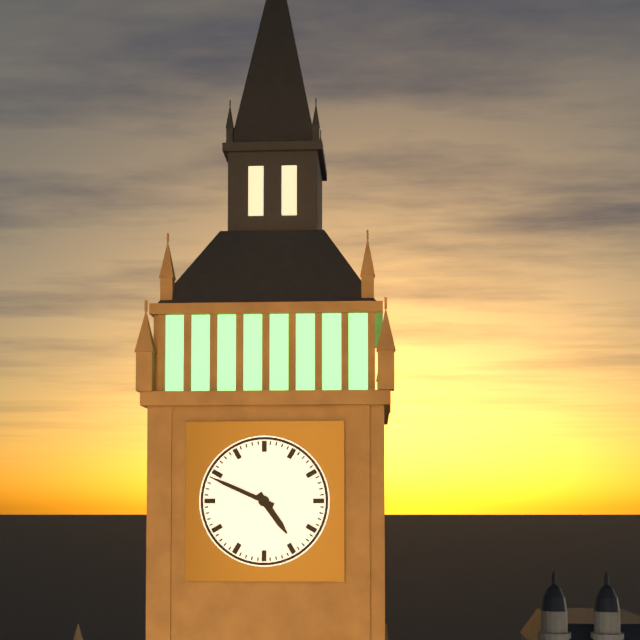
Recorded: h=4 m=49
